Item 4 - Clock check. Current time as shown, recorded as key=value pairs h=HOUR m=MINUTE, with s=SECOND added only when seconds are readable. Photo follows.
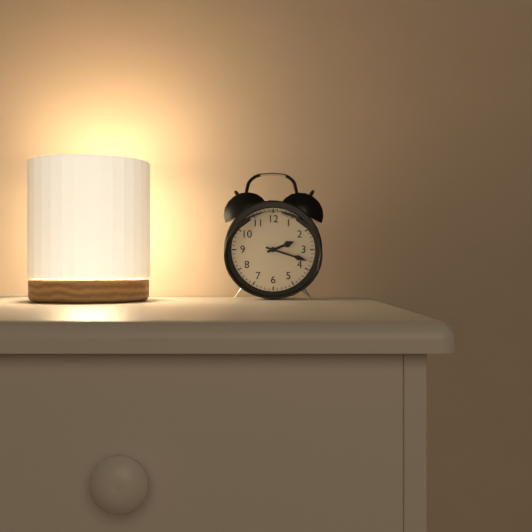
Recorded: h=2 m=18
